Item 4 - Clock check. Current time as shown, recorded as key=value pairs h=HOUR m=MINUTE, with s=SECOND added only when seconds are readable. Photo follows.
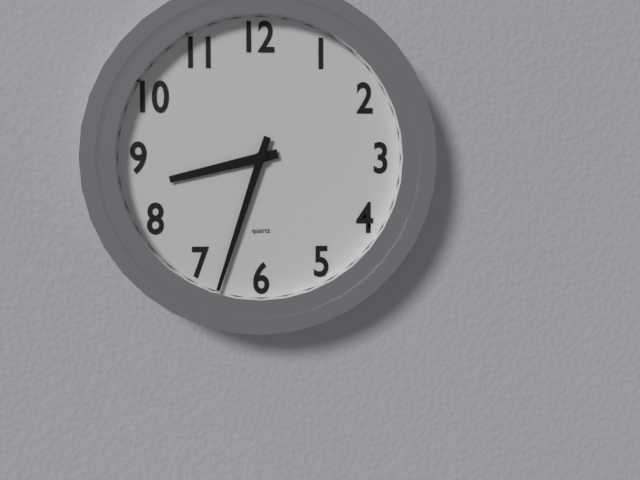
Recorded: h=8 m=33
